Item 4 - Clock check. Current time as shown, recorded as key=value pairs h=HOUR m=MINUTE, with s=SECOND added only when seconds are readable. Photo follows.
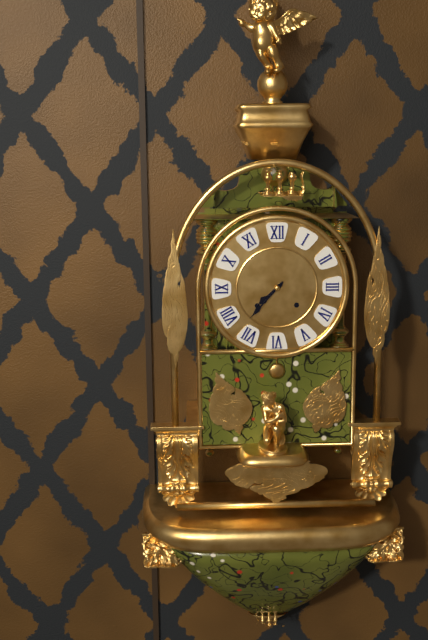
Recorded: h=7 m=37
